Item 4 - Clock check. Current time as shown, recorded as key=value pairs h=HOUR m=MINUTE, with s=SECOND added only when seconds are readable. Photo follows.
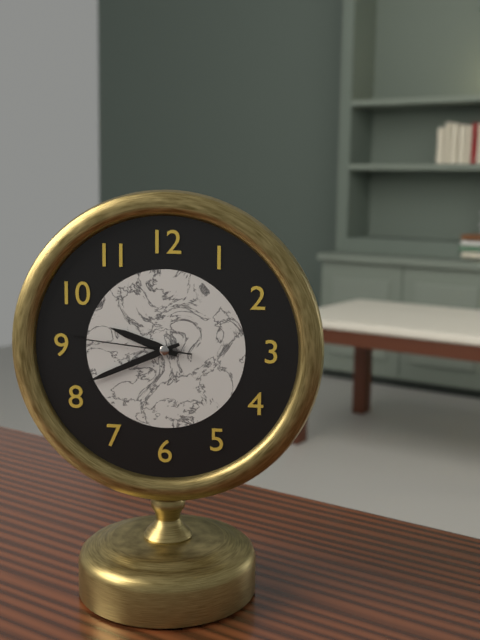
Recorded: h=9 m=41 s=46
